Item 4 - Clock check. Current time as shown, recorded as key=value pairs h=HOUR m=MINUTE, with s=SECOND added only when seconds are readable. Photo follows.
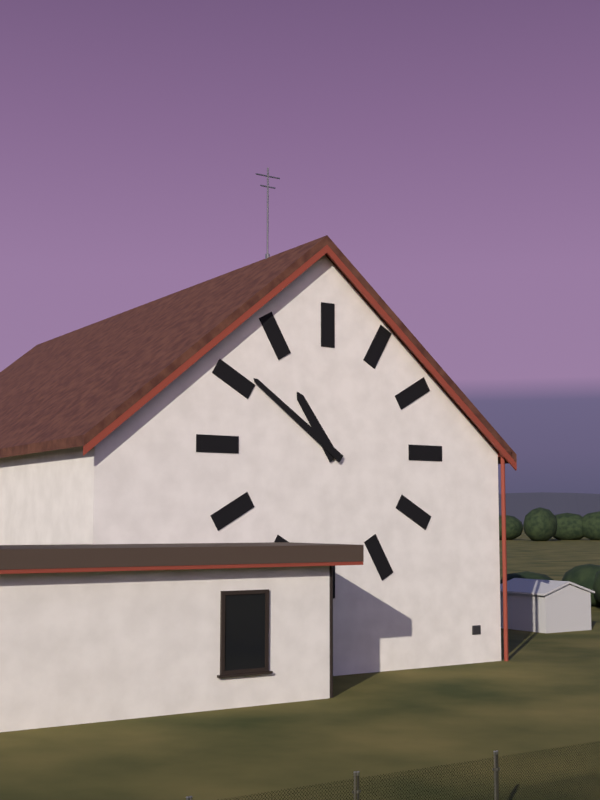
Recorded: h=10 m=51
